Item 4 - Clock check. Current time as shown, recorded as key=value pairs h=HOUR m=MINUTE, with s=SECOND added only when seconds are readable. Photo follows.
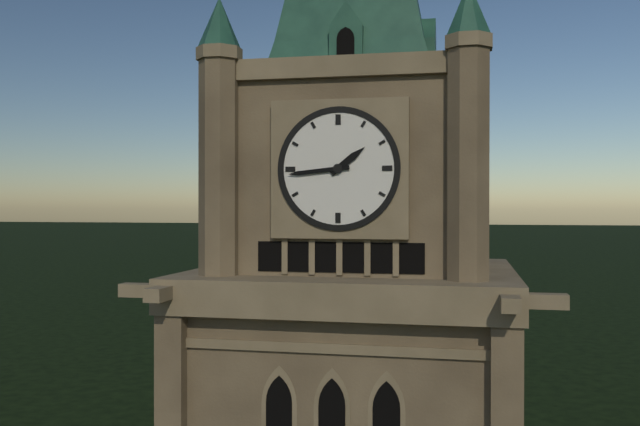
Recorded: h=1 m=44
